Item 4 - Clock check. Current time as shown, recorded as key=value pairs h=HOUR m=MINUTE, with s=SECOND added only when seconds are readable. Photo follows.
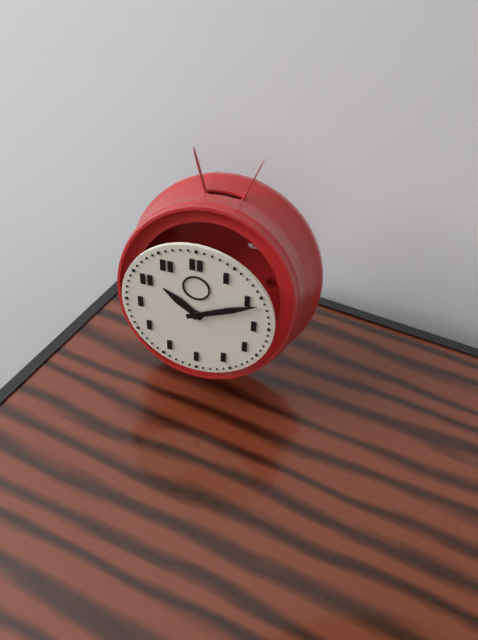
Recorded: h=10 m=11
